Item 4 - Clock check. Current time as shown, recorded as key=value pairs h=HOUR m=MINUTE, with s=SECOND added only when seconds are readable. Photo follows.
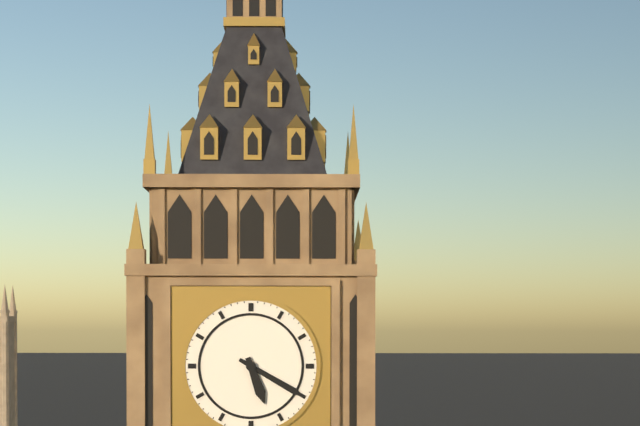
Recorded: h=5 m=20
